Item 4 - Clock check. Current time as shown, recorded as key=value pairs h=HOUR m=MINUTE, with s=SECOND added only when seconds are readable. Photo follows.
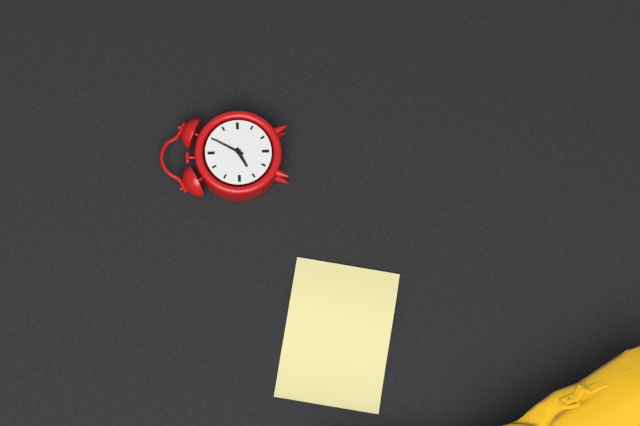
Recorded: h=8 m=5
